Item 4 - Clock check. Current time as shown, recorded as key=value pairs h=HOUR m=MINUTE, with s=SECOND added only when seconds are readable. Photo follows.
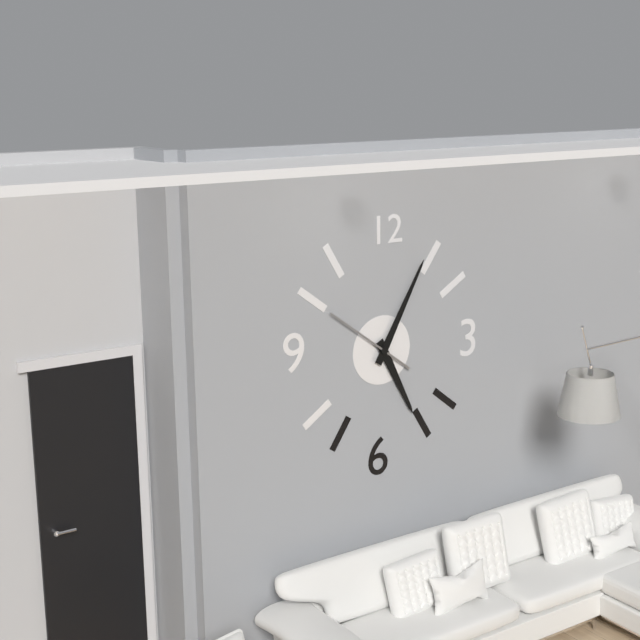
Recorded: h=5 m=5 s=51
